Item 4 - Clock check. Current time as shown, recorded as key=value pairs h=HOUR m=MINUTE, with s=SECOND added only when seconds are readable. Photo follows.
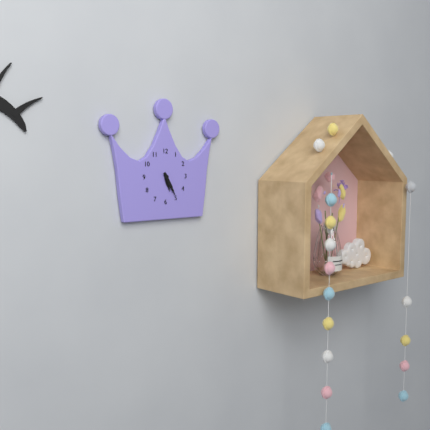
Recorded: h=5 m=25
